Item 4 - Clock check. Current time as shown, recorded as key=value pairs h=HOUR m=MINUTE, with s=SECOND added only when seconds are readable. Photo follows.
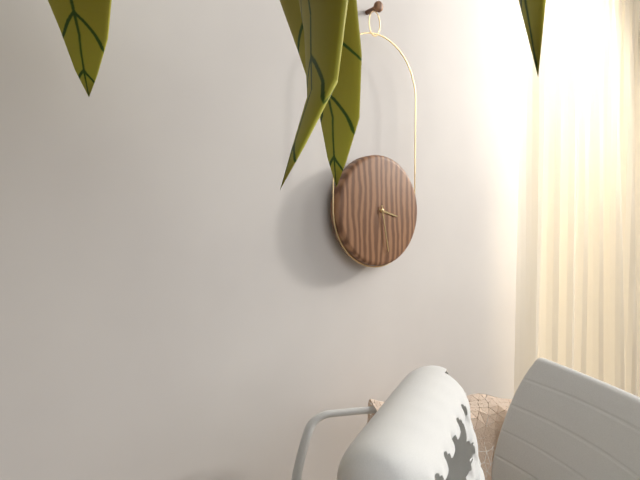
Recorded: h=3 m=28
